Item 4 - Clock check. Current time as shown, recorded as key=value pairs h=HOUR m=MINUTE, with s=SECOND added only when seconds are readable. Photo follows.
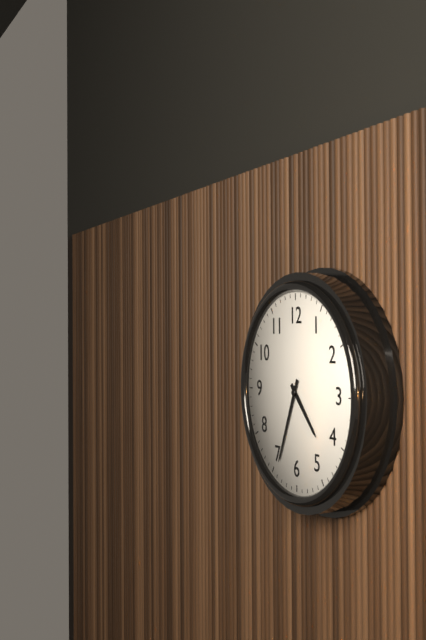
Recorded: h=4 m=34
